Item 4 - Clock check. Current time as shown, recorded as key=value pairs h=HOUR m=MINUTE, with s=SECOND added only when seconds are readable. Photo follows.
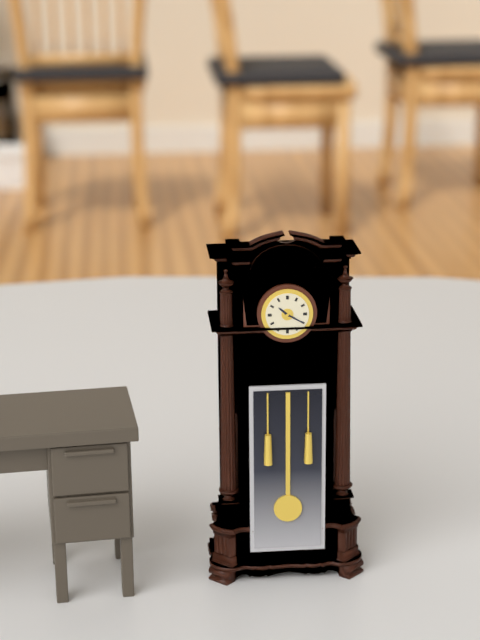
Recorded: h=10 m=20
